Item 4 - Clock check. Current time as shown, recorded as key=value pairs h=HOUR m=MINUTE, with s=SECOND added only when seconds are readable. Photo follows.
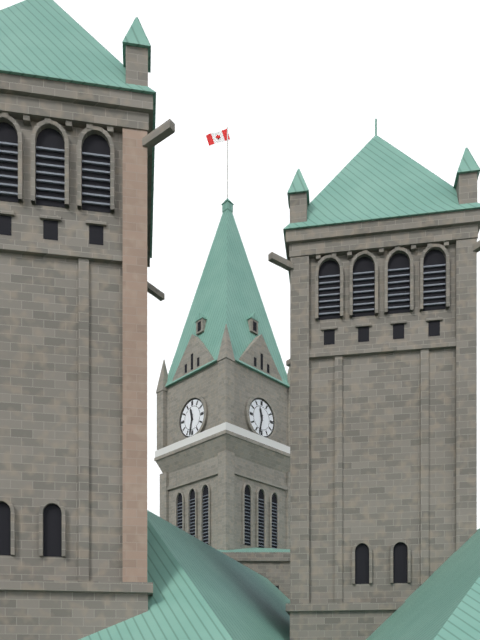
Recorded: h=11 m=32
